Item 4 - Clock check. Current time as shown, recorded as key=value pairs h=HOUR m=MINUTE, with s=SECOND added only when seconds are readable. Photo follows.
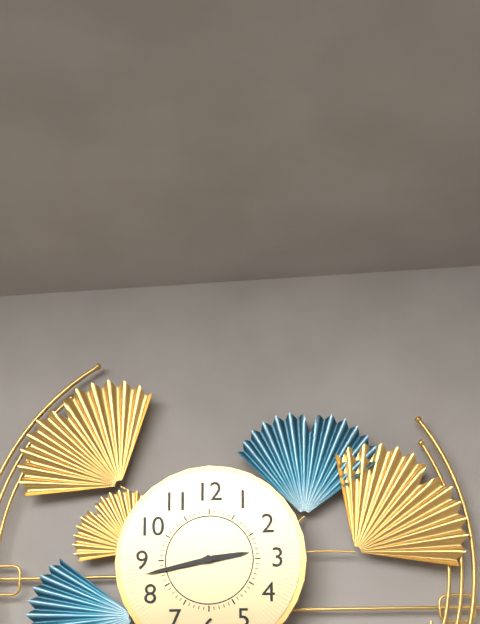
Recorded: h=2 m=43
